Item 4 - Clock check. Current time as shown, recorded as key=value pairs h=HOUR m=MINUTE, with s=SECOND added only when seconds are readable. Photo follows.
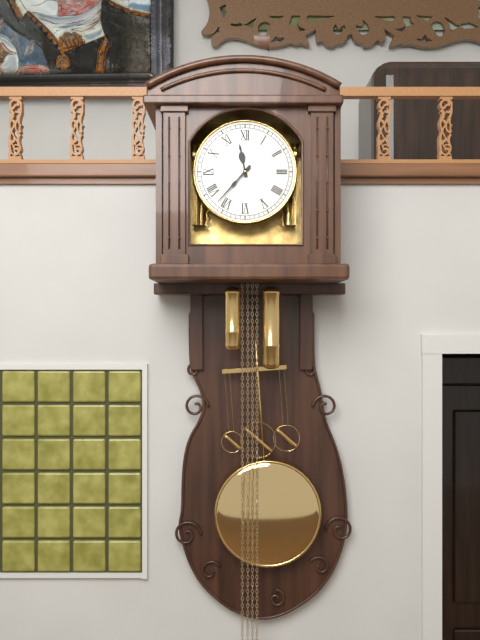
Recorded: h=11 m=37
